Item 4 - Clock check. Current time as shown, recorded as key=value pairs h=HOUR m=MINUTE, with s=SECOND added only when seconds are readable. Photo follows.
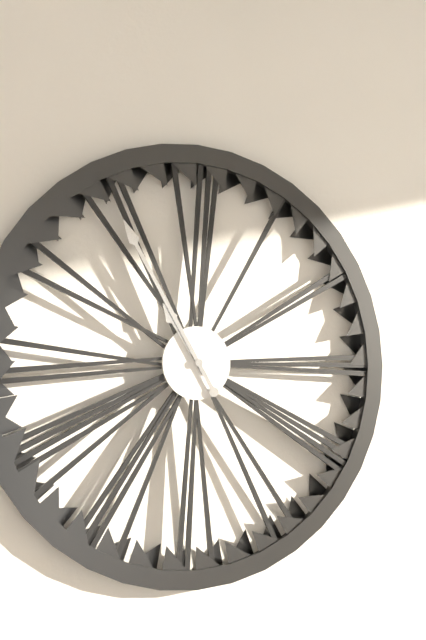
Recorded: h=10 m=55
